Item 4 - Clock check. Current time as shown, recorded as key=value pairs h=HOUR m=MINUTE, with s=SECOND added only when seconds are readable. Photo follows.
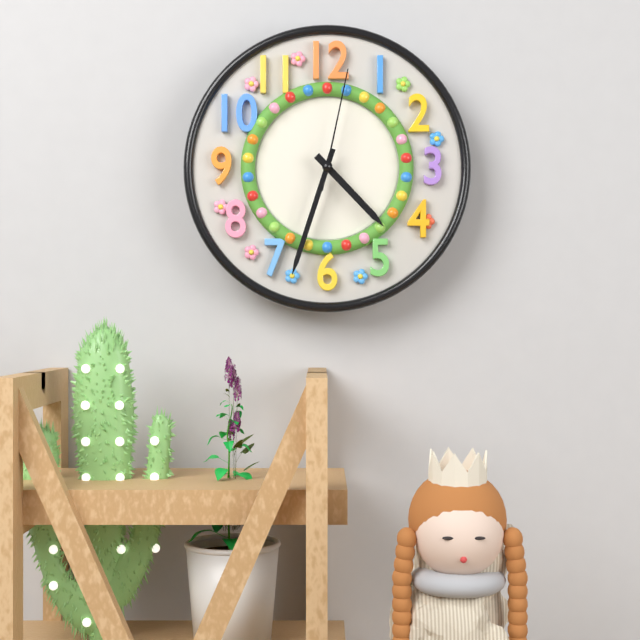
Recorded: h=4 m=33 s=2
